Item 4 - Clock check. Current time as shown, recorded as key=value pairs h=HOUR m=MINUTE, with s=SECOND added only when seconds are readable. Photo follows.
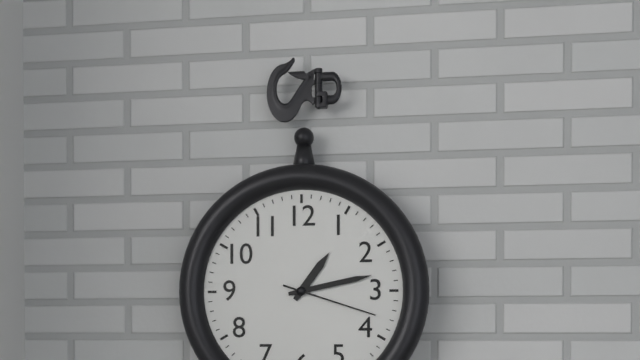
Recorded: h=1 m=13 s=18
